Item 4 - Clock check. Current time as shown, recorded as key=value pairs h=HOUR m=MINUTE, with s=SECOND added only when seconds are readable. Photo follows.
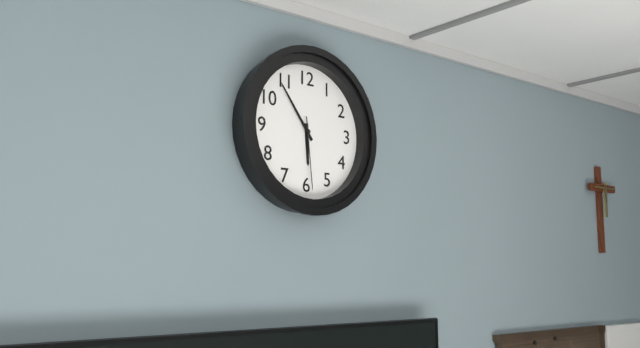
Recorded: h=5 m=54 s=29
